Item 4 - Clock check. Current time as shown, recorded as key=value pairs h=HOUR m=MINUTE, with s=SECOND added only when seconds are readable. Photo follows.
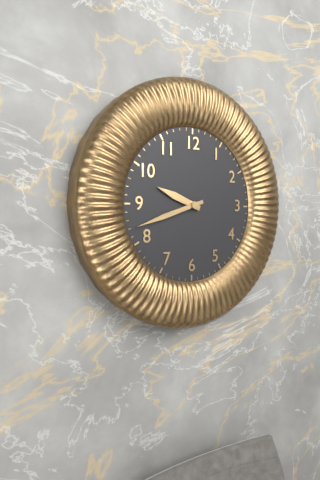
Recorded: h=9 m=42
